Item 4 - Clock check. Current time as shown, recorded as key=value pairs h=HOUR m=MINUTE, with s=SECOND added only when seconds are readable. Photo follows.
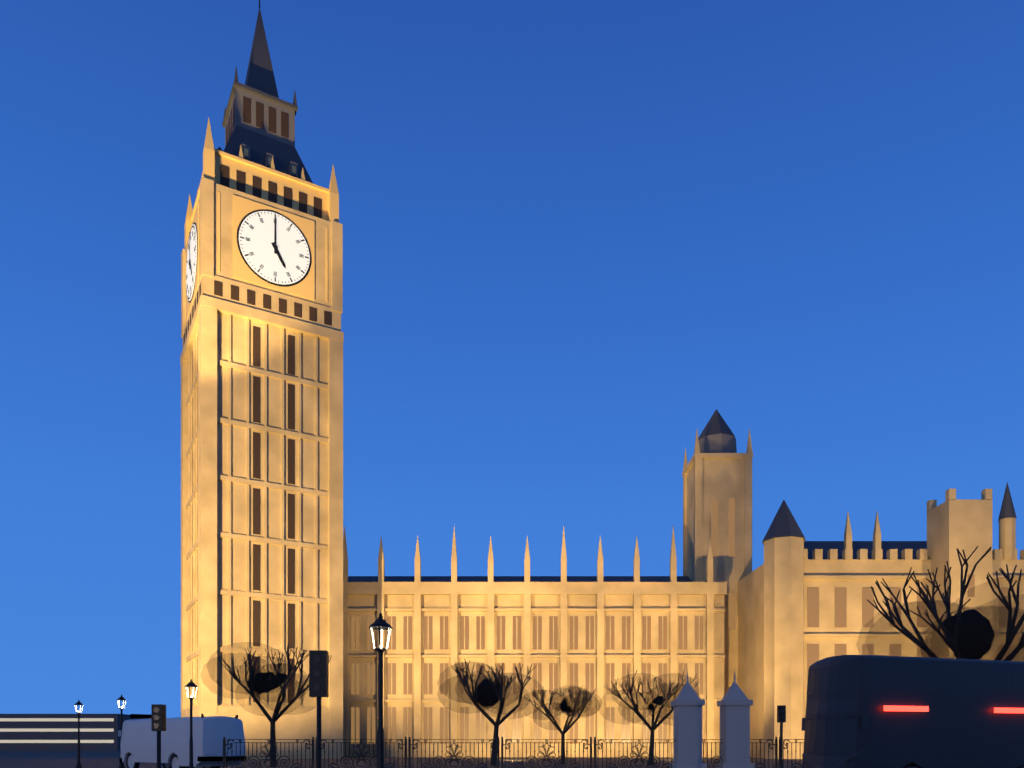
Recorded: h=5 m=0
